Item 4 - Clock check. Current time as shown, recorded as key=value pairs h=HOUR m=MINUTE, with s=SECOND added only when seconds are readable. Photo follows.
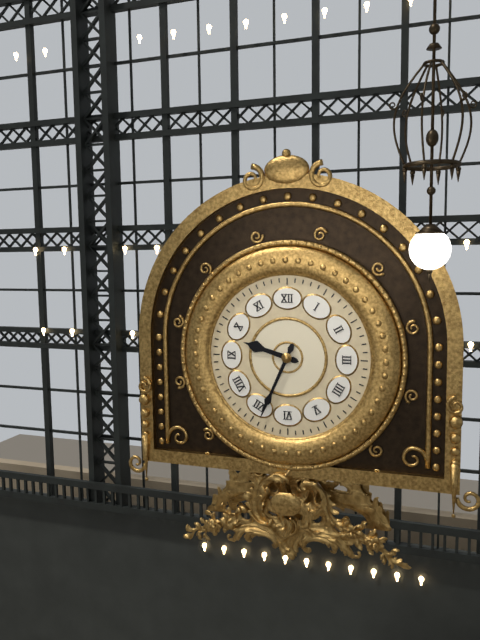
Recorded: h=9 m=34
